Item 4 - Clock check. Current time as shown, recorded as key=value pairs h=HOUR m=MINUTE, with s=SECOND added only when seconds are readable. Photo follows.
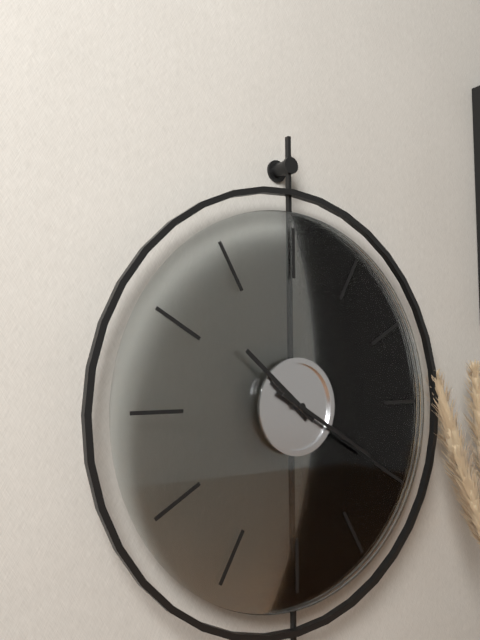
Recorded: h=10 m=20
